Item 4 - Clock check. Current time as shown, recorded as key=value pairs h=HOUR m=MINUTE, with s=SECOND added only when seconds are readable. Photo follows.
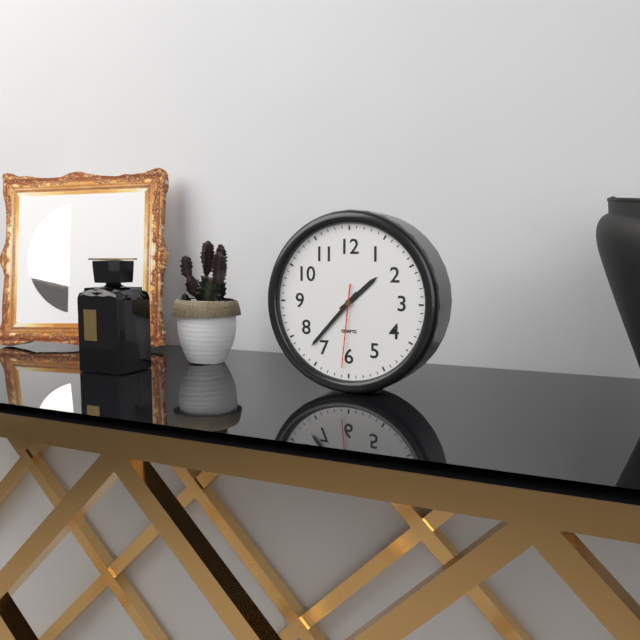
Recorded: h=1 m=37 s=31
